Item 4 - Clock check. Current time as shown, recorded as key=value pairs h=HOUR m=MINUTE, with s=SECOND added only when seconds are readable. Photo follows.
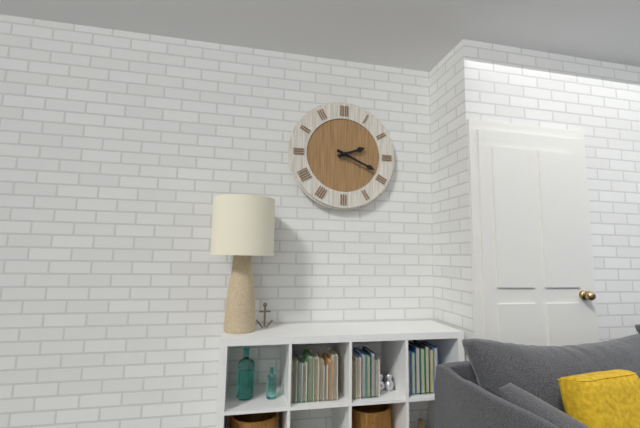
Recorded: h=2 m=19
